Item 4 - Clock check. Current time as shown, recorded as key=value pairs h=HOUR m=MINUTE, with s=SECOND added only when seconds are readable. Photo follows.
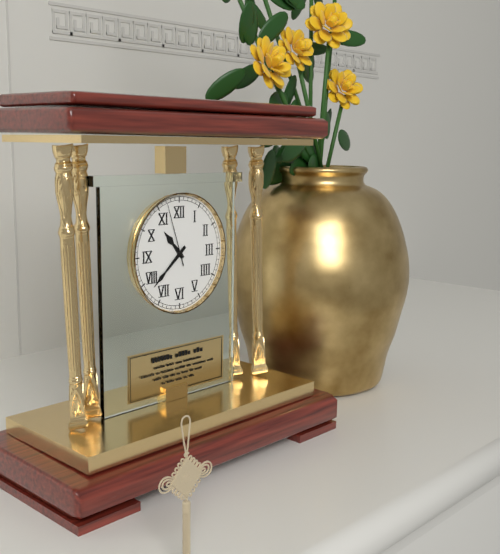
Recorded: h=10 m=38 s=57
